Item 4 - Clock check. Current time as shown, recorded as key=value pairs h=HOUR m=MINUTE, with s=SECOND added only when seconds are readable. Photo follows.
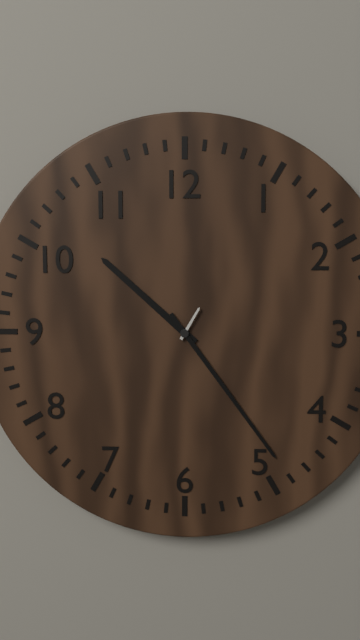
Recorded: h=10 m=24
